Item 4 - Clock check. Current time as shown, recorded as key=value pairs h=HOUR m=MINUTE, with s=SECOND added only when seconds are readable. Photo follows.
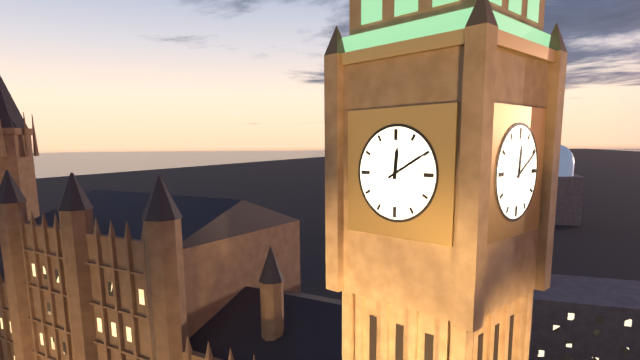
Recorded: h=12 m=10
